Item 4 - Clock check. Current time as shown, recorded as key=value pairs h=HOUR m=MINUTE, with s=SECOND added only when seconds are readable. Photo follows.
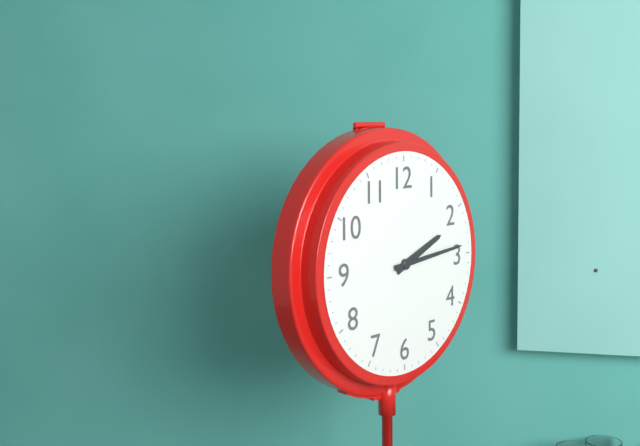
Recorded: h=2 m=14
